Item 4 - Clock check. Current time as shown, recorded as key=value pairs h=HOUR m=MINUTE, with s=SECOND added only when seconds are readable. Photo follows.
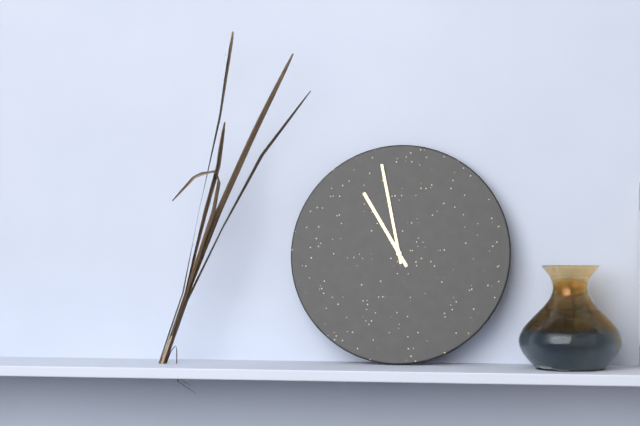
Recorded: h=10 m=58
